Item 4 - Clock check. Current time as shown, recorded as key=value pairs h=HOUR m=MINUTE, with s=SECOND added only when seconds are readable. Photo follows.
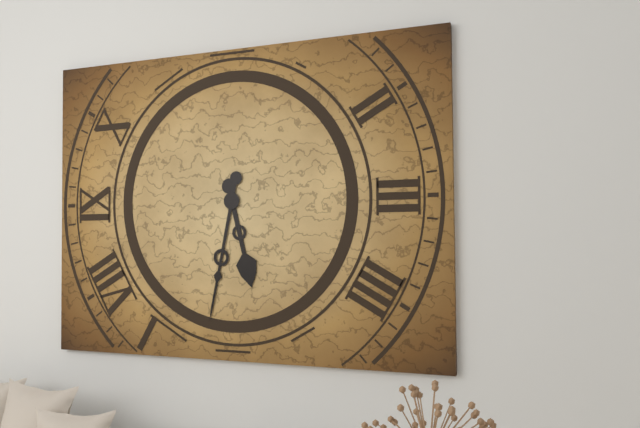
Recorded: h=5 m=32
